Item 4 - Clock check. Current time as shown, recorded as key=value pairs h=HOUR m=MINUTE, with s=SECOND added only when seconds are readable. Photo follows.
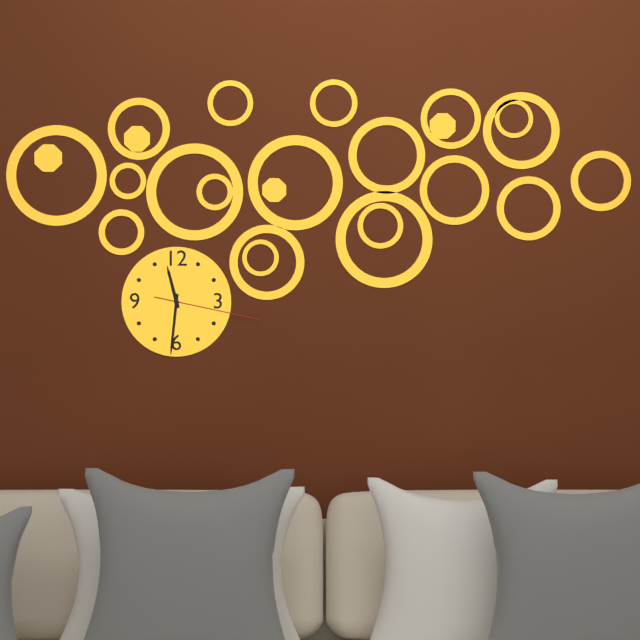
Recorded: h=11 m=31 s=17
